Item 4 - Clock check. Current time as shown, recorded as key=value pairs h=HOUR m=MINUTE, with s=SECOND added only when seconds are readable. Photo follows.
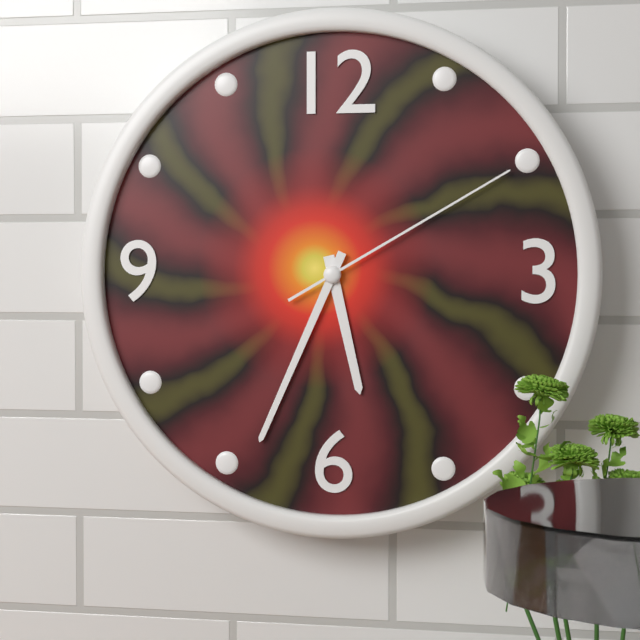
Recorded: h=5 m=34 s=10
